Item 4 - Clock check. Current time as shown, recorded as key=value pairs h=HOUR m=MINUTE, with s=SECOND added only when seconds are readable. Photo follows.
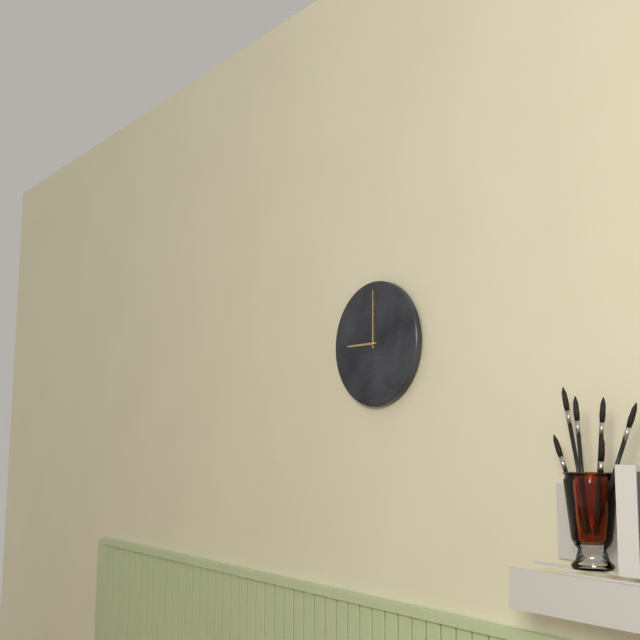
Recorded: h=9 m=0
